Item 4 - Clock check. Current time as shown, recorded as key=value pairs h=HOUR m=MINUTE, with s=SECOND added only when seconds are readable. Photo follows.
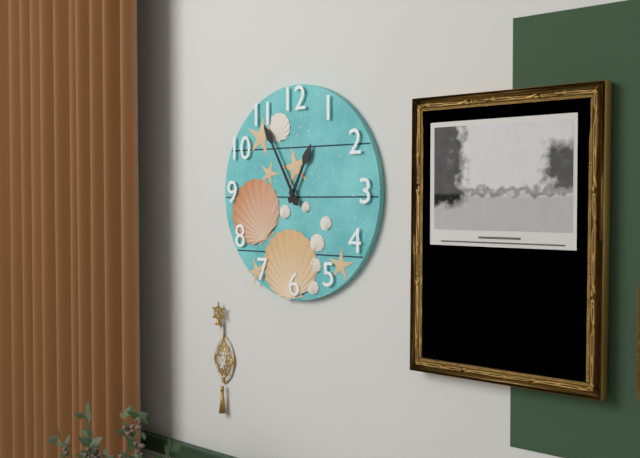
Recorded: h=12 m=55
